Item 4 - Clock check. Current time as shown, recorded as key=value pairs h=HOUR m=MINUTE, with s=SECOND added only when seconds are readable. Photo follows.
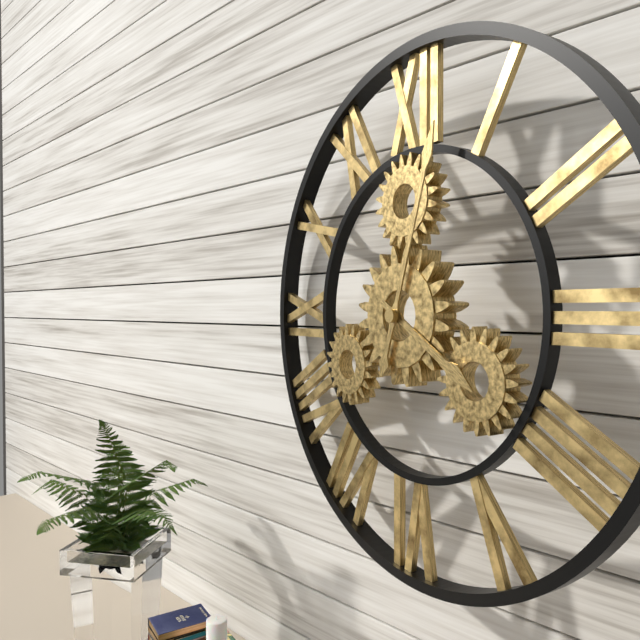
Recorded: h=4 m=3
